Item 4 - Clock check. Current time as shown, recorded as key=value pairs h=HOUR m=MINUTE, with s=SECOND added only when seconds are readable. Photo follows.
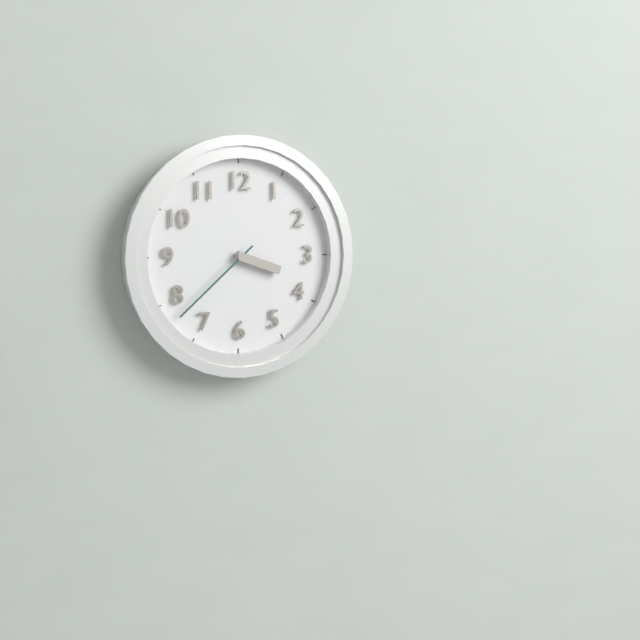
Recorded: h=3 m=38
